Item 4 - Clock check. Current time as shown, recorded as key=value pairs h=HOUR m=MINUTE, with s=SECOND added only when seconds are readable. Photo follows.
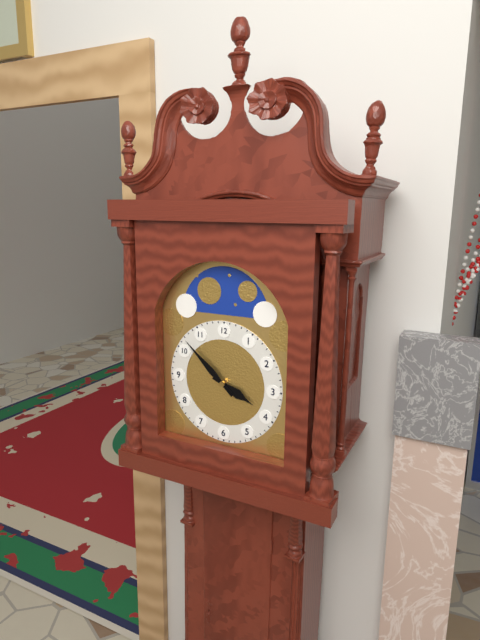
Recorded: h=3 m=52
